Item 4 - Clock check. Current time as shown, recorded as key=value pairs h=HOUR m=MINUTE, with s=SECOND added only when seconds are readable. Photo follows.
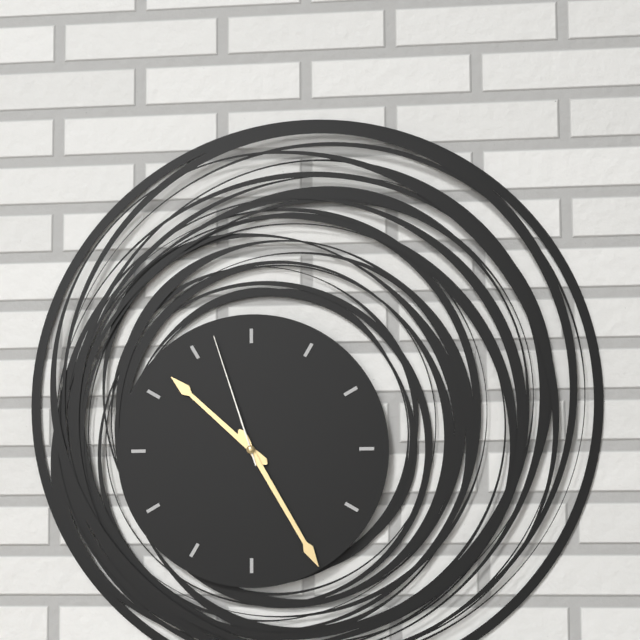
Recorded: h=10 m=25 s=57
